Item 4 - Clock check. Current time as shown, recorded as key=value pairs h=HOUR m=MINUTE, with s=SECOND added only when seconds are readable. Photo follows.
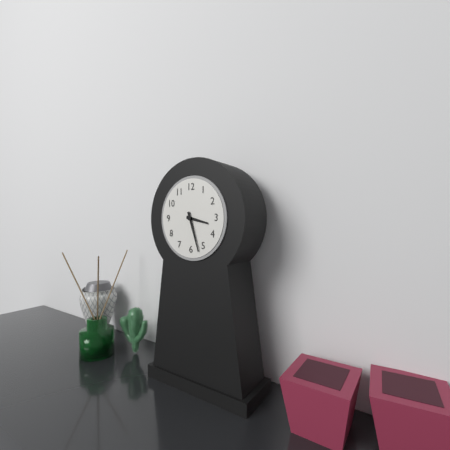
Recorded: h=3 m=27
